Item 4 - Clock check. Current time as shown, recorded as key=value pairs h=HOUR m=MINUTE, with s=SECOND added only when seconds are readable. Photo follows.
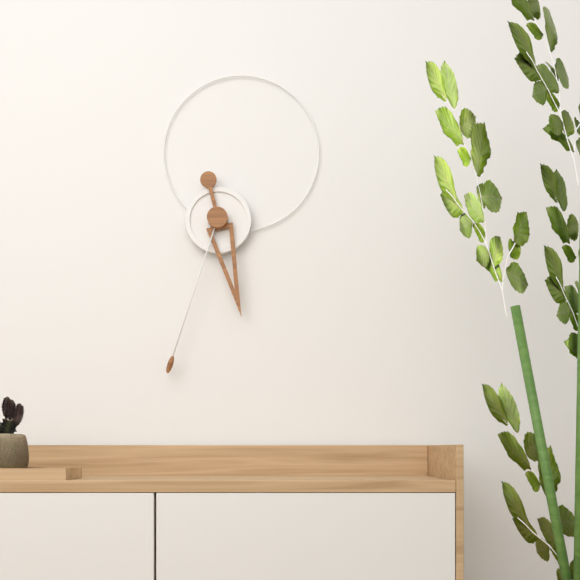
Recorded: h=5 m=33
